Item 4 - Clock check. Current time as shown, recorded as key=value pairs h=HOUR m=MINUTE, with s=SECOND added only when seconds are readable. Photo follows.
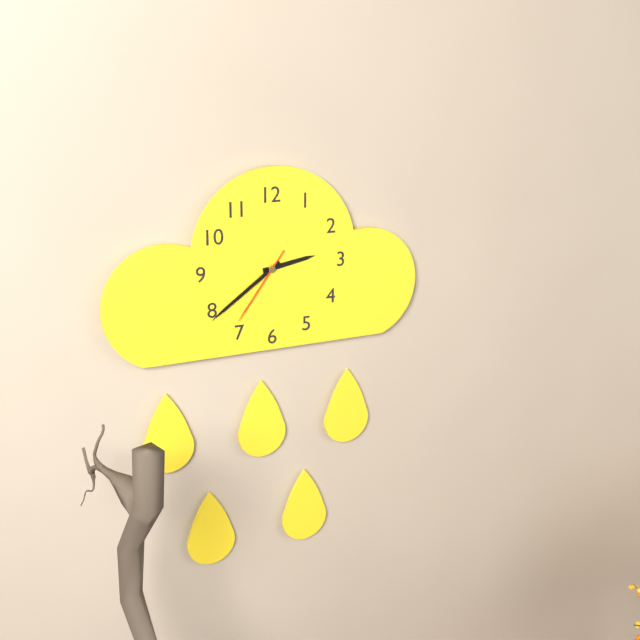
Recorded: h=2 m=39 s=36
